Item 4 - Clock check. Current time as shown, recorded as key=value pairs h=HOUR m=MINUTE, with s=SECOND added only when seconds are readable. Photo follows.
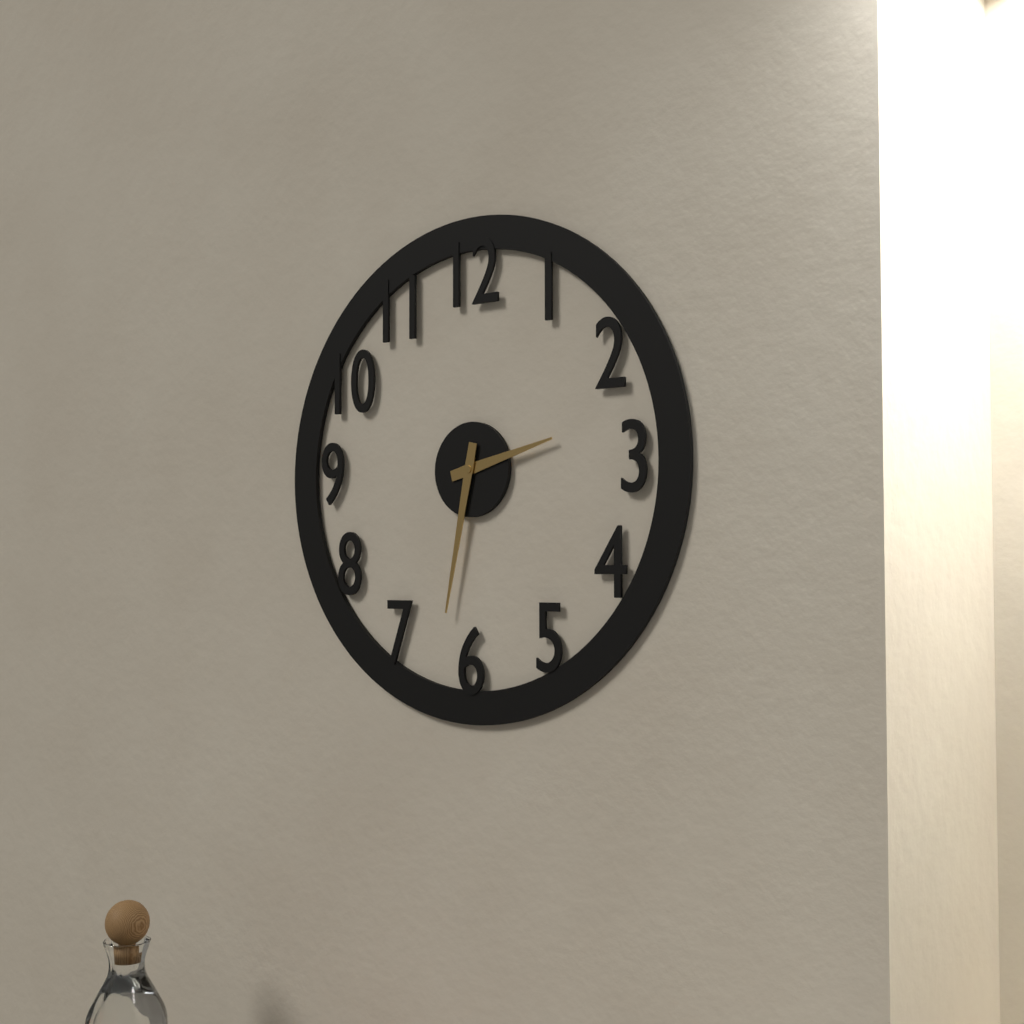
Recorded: h=2 m=32
